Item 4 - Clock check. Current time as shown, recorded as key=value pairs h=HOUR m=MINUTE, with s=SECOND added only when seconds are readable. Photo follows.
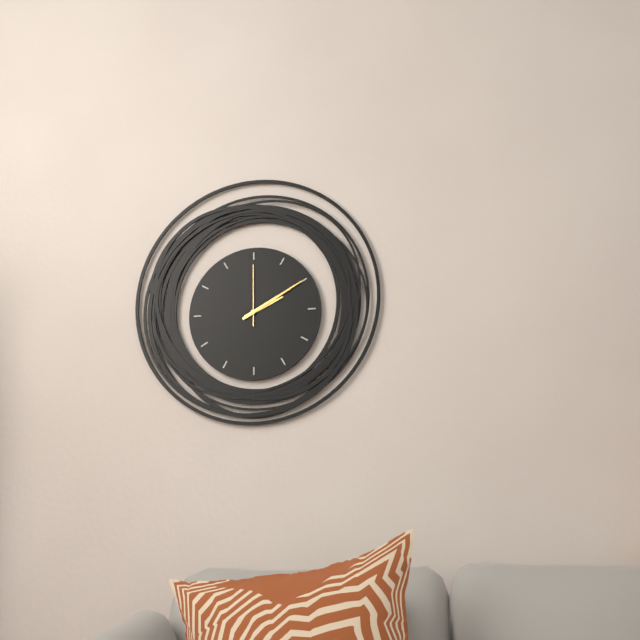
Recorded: h=2 m=10 s=0
